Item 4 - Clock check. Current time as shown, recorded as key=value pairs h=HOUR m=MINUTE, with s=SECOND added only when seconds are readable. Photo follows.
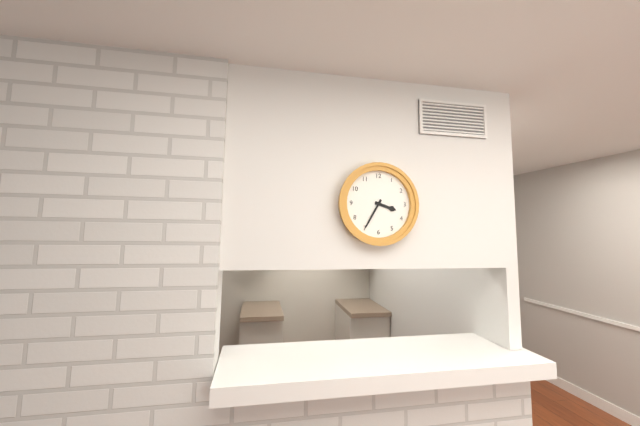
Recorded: h=3 m=35
